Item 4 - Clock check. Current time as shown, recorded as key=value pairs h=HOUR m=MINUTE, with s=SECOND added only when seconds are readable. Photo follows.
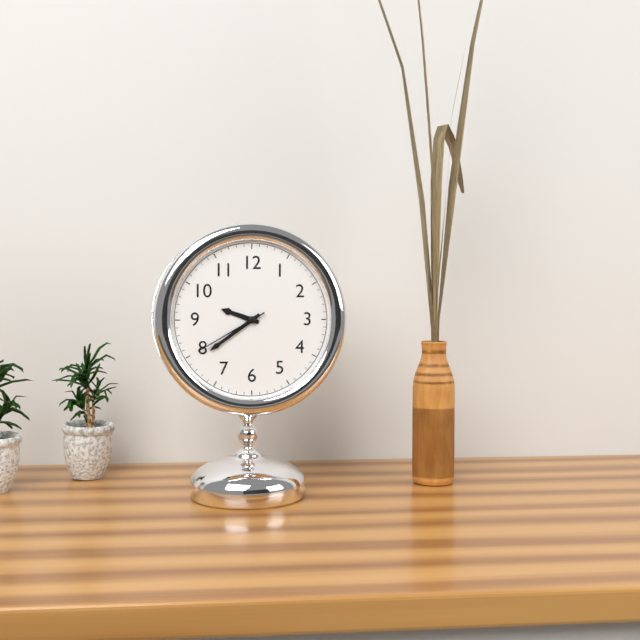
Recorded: h=9 m=39 s=40
